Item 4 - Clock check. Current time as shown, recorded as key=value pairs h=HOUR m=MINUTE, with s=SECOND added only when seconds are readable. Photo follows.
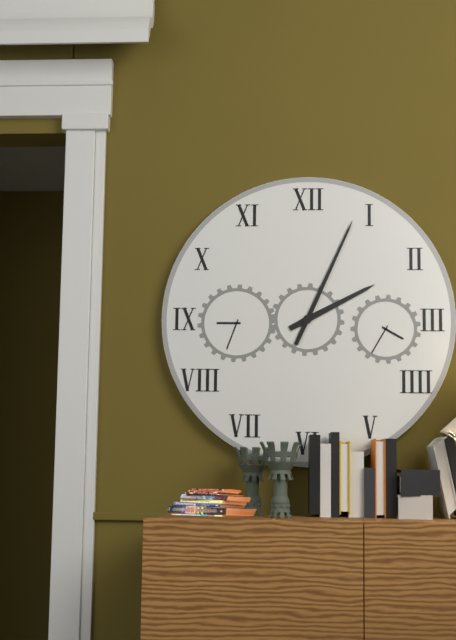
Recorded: h=2 m=4
